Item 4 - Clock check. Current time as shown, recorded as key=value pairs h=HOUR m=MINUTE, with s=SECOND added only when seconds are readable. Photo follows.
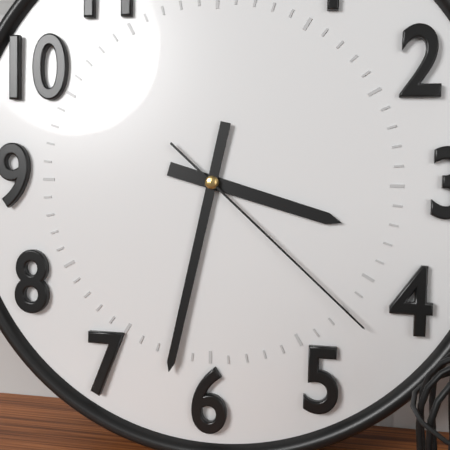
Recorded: h=3 m=32 s=22
